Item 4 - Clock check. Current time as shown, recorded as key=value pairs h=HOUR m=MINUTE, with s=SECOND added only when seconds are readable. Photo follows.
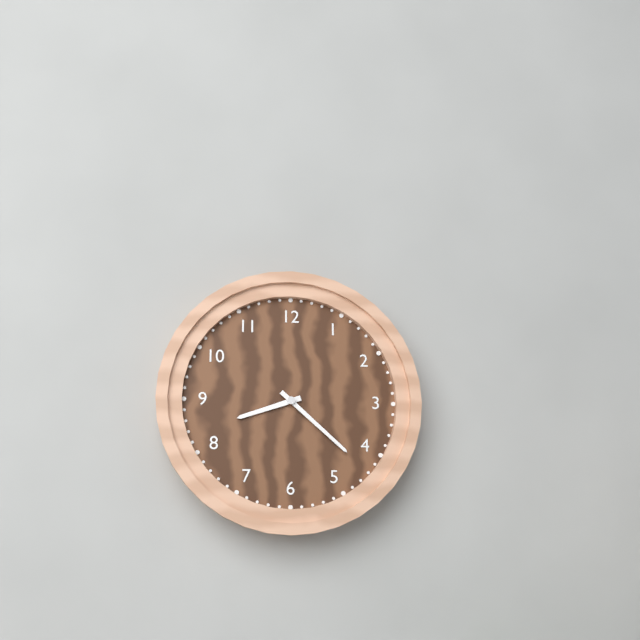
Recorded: h=8 m=22
